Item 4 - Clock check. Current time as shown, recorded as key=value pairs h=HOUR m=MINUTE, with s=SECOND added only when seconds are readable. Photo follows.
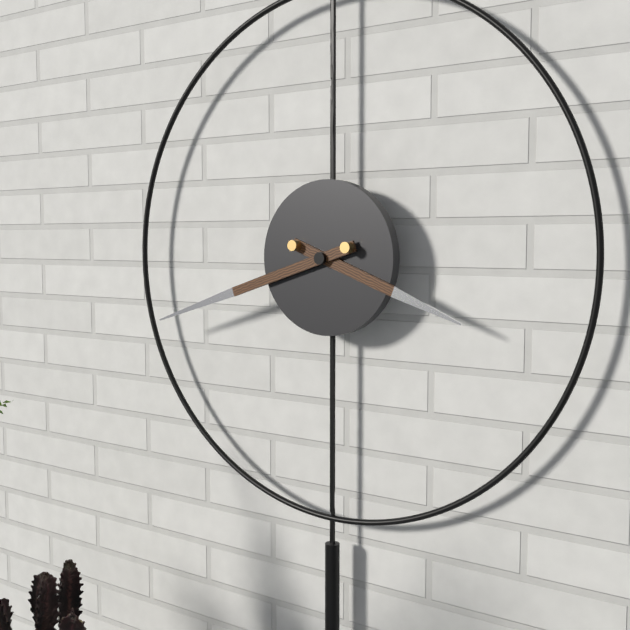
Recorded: h=3 m=42
